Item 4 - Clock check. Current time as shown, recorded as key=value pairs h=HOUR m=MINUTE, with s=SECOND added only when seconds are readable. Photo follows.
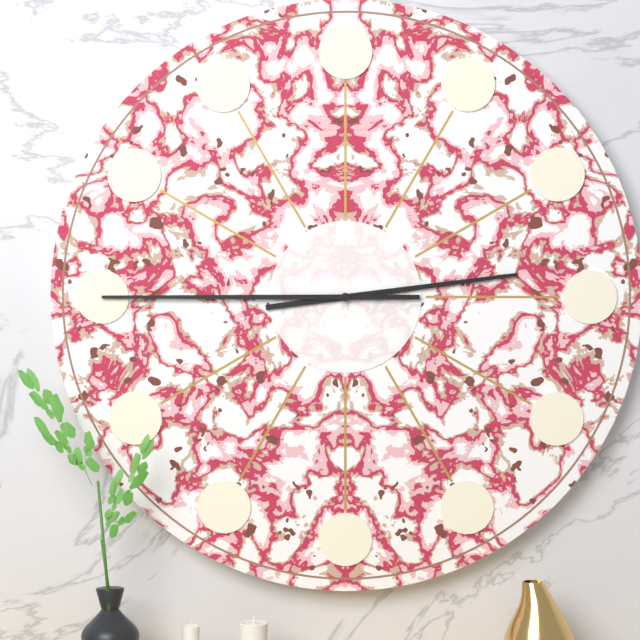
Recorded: h=2 m=45
